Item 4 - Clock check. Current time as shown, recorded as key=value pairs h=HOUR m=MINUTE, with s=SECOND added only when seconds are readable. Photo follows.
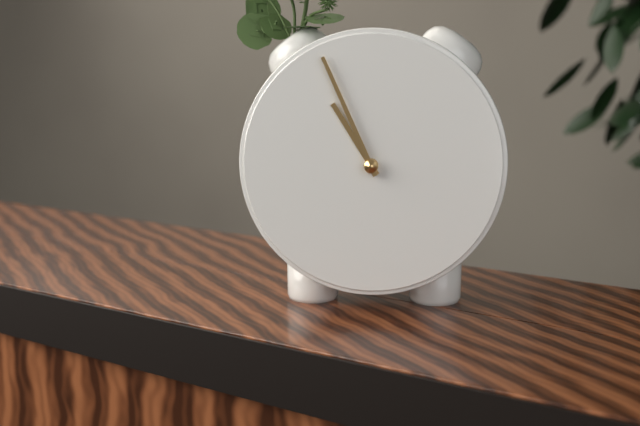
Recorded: h=10 m=56
